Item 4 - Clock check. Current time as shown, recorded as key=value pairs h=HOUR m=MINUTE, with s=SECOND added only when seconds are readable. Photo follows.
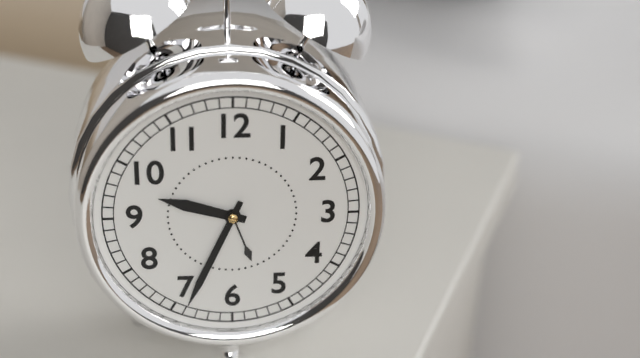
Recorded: h=9 m=34
